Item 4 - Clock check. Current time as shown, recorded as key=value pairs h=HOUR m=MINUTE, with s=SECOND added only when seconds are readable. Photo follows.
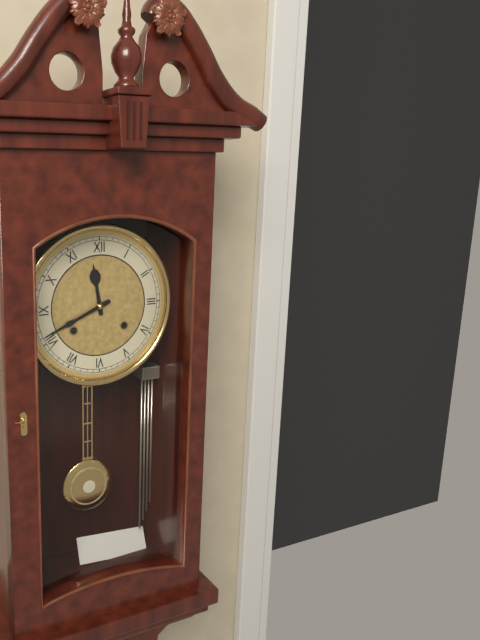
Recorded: h=11 m=41
